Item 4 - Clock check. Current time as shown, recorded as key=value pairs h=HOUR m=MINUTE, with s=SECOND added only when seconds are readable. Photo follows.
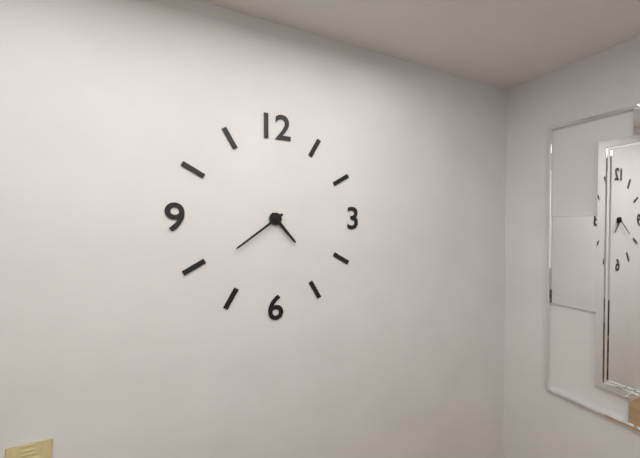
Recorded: h=4 m=39
